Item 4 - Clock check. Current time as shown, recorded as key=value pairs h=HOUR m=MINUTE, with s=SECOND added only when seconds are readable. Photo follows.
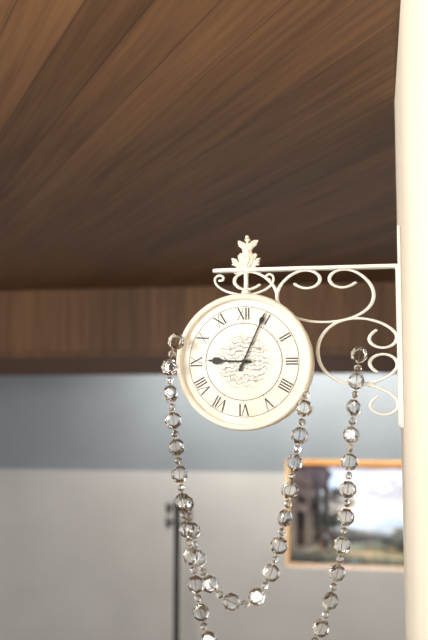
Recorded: h=9 m=4
